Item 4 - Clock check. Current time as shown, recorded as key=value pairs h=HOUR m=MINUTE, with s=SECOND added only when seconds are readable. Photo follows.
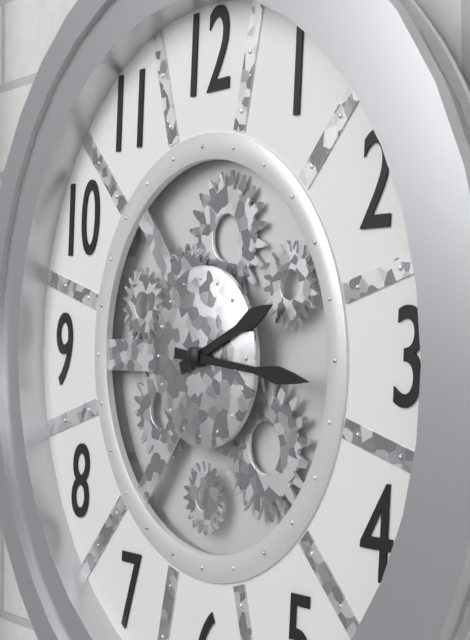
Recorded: h=2 m=16
